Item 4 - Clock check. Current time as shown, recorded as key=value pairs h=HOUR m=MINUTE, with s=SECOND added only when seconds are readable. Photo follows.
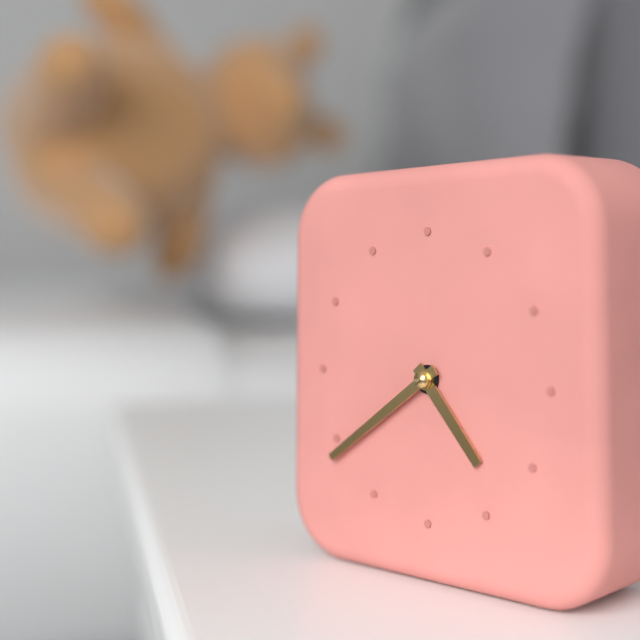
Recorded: h=4 m=39
